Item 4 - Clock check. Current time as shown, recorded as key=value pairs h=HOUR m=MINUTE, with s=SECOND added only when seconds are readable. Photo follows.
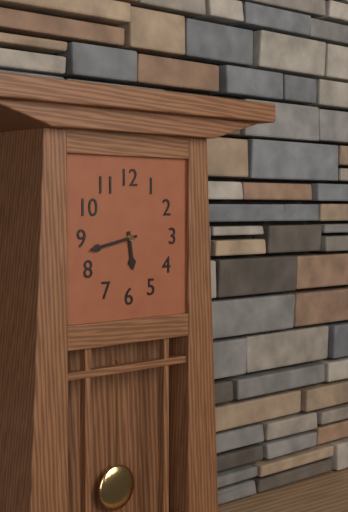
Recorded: h=5 m=43
